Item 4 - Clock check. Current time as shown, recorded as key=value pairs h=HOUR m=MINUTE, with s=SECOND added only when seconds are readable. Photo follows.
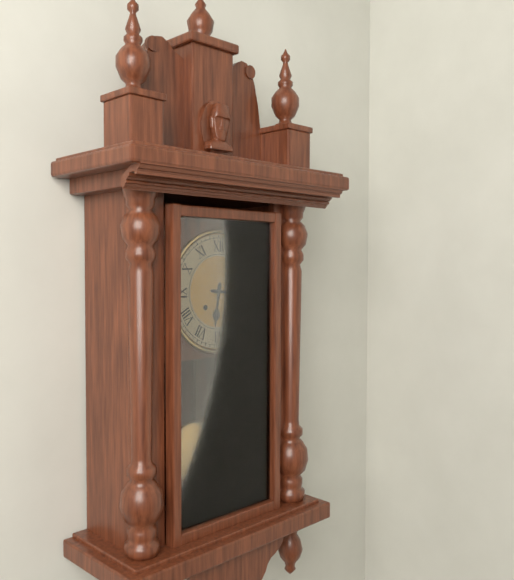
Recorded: h=6 m=16
